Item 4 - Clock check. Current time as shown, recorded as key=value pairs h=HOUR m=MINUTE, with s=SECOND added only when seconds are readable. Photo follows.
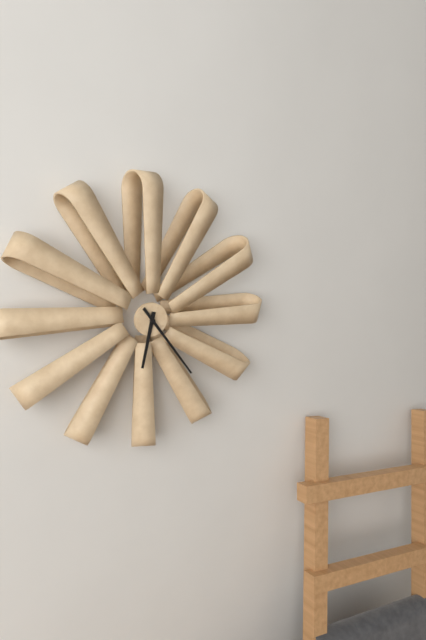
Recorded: h=6 m=24
